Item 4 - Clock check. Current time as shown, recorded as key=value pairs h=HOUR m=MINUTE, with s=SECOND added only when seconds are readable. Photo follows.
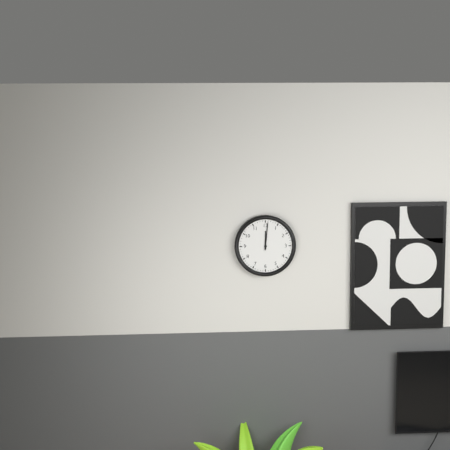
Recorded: h=12 m=1
